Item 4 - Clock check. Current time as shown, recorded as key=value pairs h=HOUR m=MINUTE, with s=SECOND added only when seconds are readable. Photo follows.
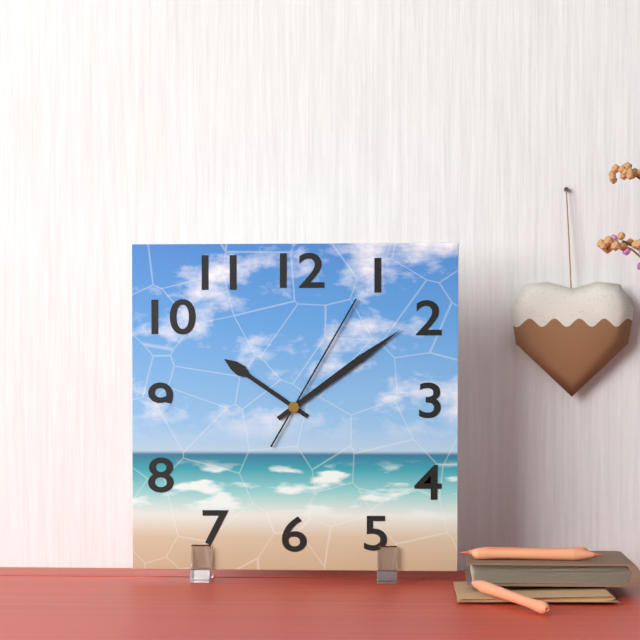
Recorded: h=10 m=9 s=5
